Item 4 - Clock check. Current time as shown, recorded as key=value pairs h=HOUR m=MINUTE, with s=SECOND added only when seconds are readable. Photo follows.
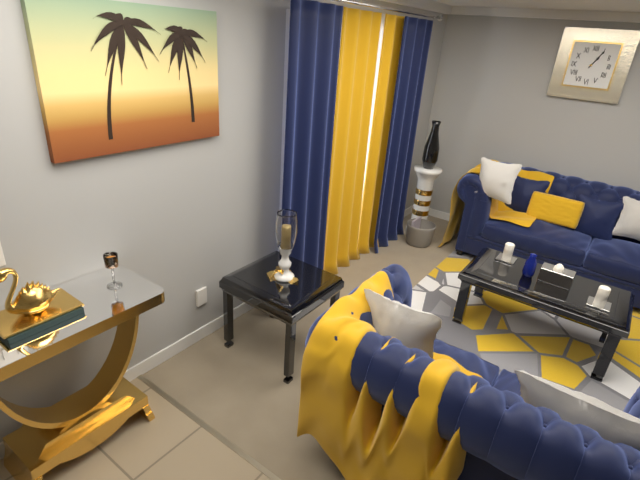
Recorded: h=1 m=5
